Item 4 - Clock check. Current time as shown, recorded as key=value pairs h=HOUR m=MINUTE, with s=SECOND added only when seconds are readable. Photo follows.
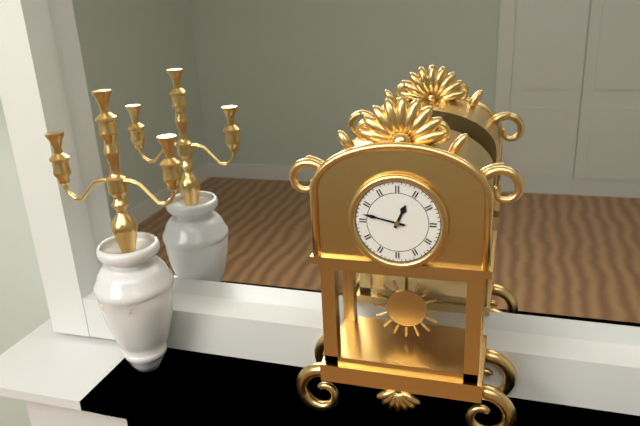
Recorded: h=12 m=47
